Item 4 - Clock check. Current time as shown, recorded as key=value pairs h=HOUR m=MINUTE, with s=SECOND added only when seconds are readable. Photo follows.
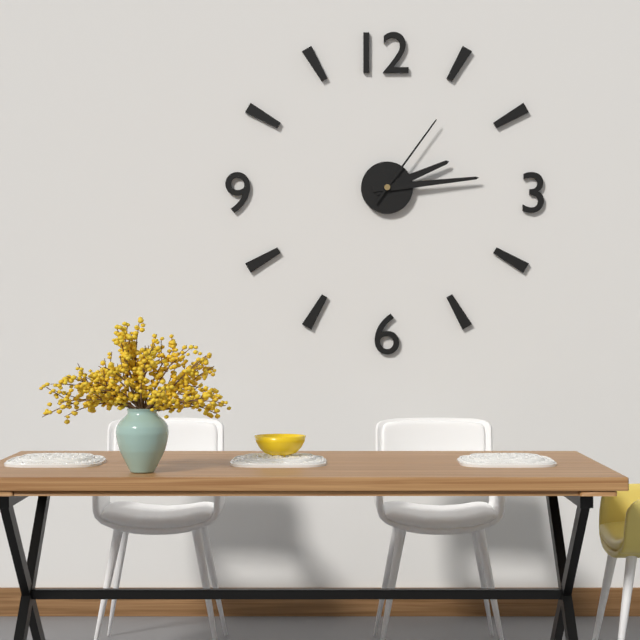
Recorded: h=2 m=14 s=6
